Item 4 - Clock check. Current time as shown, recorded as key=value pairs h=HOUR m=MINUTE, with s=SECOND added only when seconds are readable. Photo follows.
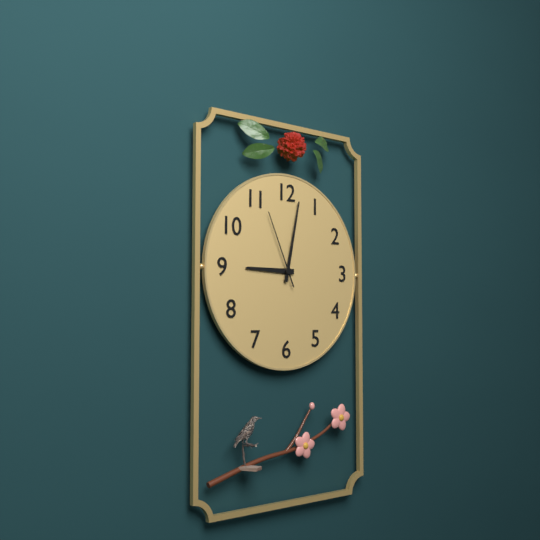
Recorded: h=9 m=2 s=56
